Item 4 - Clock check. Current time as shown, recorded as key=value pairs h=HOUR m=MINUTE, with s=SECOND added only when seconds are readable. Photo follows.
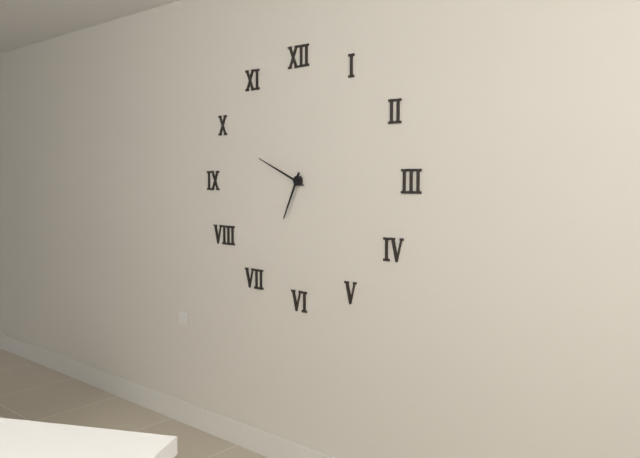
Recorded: h=6 m=49
